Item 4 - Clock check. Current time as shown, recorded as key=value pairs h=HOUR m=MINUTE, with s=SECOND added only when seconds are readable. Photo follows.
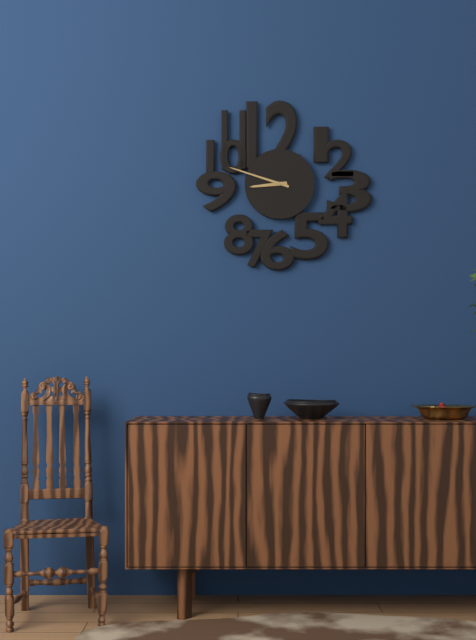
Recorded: h=8 m=48
